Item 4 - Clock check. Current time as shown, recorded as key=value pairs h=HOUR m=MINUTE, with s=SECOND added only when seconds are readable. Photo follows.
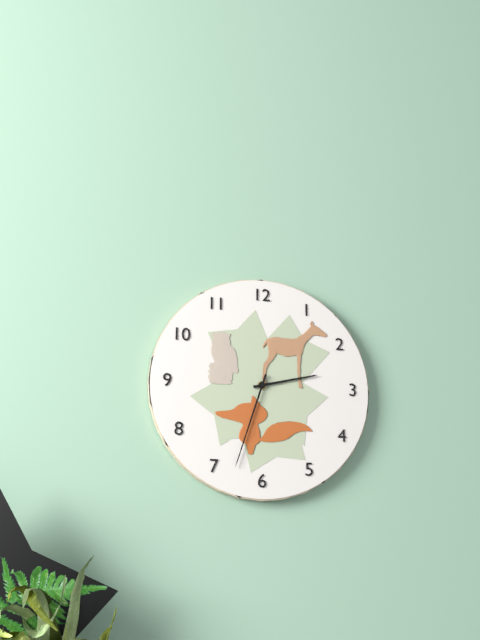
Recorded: h=2 m=33
